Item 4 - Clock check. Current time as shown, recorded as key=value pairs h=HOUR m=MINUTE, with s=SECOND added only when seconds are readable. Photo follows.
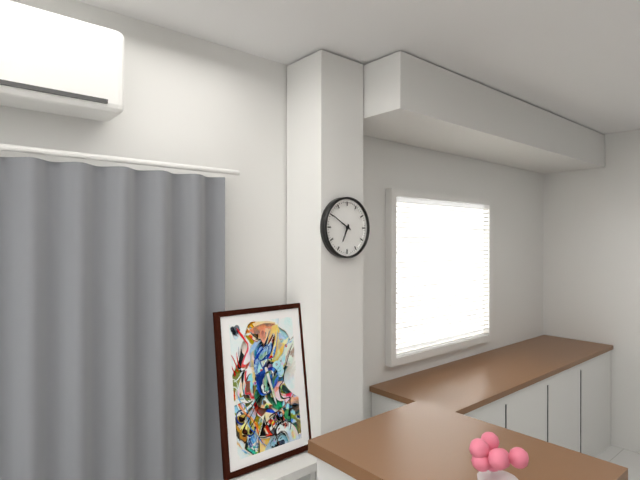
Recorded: h=6 m=50
